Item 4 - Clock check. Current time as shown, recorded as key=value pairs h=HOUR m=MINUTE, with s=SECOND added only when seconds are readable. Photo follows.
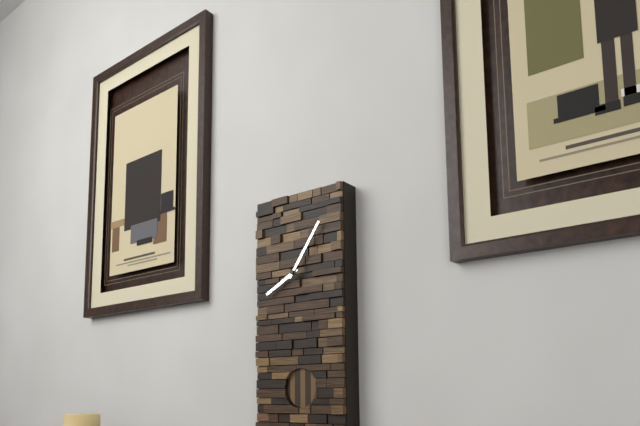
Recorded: h=8 m=6
